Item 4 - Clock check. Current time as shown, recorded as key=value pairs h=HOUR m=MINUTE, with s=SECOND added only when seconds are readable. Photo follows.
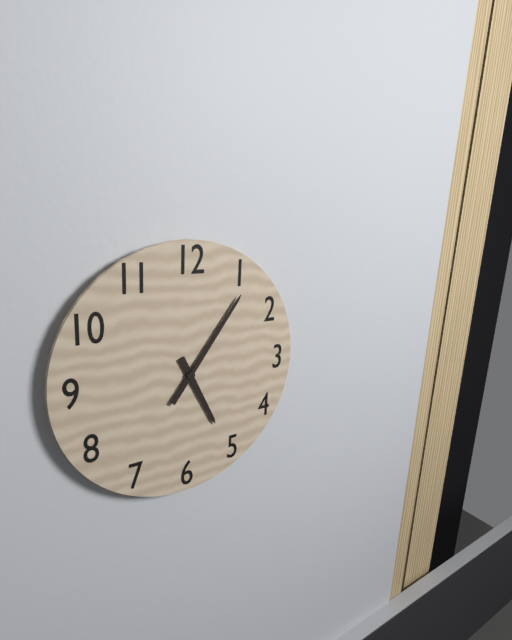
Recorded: h=5 m=6
